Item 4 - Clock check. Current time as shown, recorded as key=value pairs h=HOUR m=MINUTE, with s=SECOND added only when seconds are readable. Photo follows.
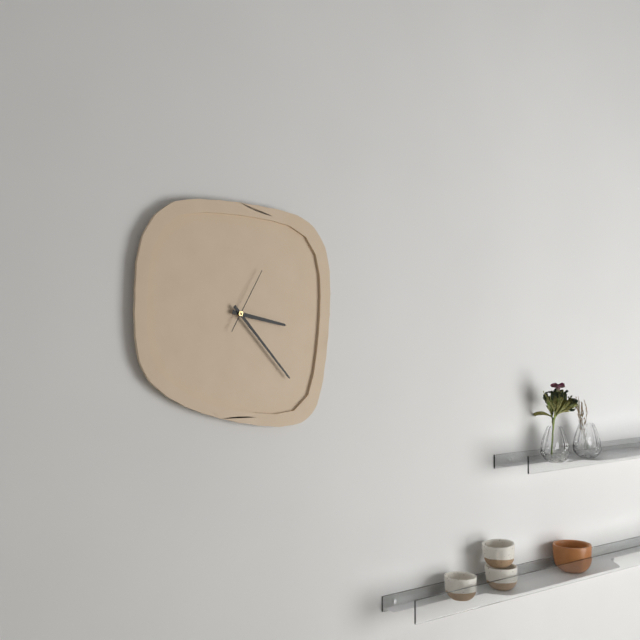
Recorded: h=3 m=23 s=5
